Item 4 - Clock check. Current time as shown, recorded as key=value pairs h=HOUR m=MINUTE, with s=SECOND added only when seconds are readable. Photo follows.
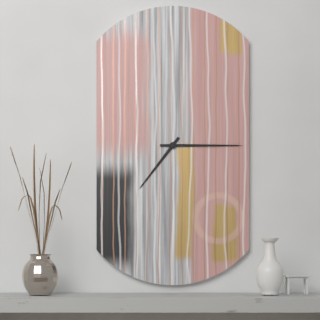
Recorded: h=7 m=15
